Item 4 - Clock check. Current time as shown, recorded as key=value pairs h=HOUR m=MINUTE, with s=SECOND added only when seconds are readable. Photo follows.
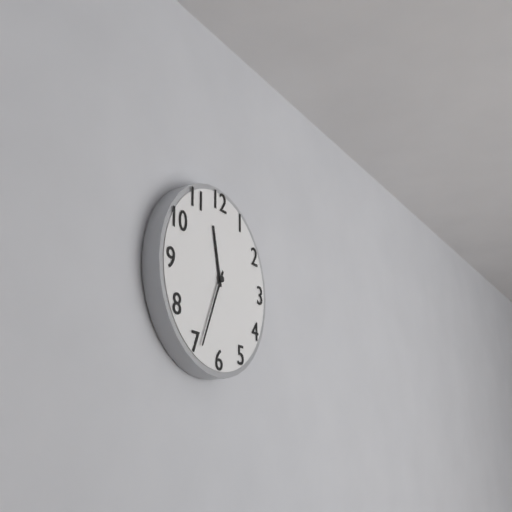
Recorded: h=11 m=34
